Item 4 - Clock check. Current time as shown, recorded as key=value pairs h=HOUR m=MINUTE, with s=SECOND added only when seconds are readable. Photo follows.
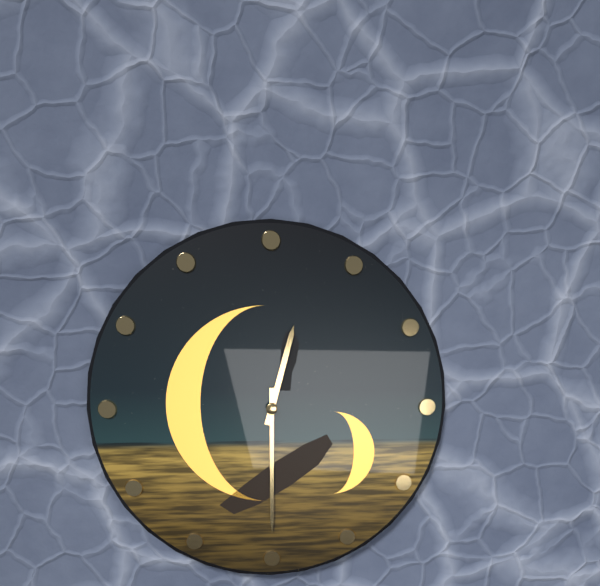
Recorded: h=12 m=30
